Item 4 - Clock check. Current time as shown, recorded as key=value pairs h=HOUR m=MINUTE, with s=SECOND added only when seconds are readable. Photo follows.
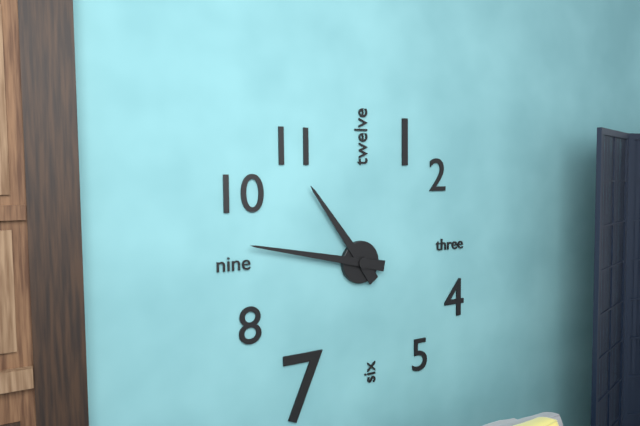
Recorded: h=10 m=47
